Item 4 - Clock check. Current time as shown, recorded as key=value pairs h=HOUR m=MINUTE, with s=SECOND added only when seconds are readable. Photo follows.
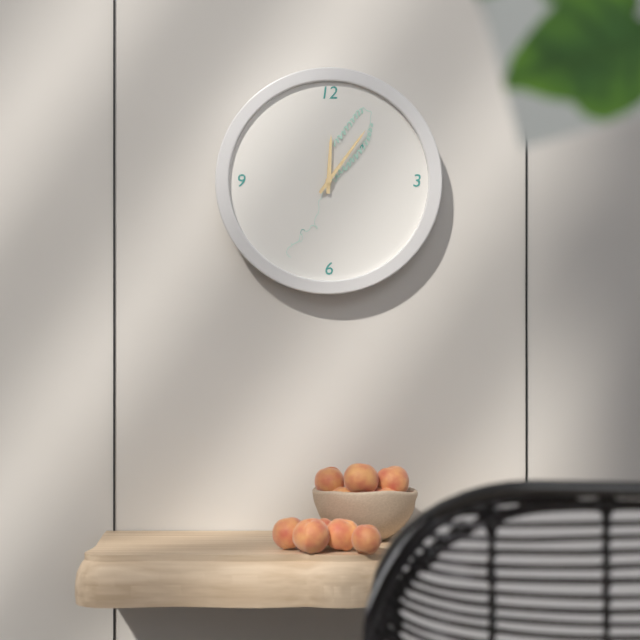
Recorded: h=12 m=6
